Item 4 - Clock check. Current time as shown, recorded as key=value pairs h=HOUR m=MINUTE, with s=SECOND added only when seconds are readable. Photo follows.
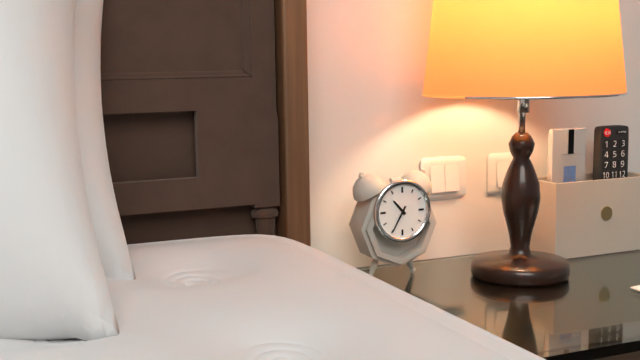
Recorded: h=10 m=35
